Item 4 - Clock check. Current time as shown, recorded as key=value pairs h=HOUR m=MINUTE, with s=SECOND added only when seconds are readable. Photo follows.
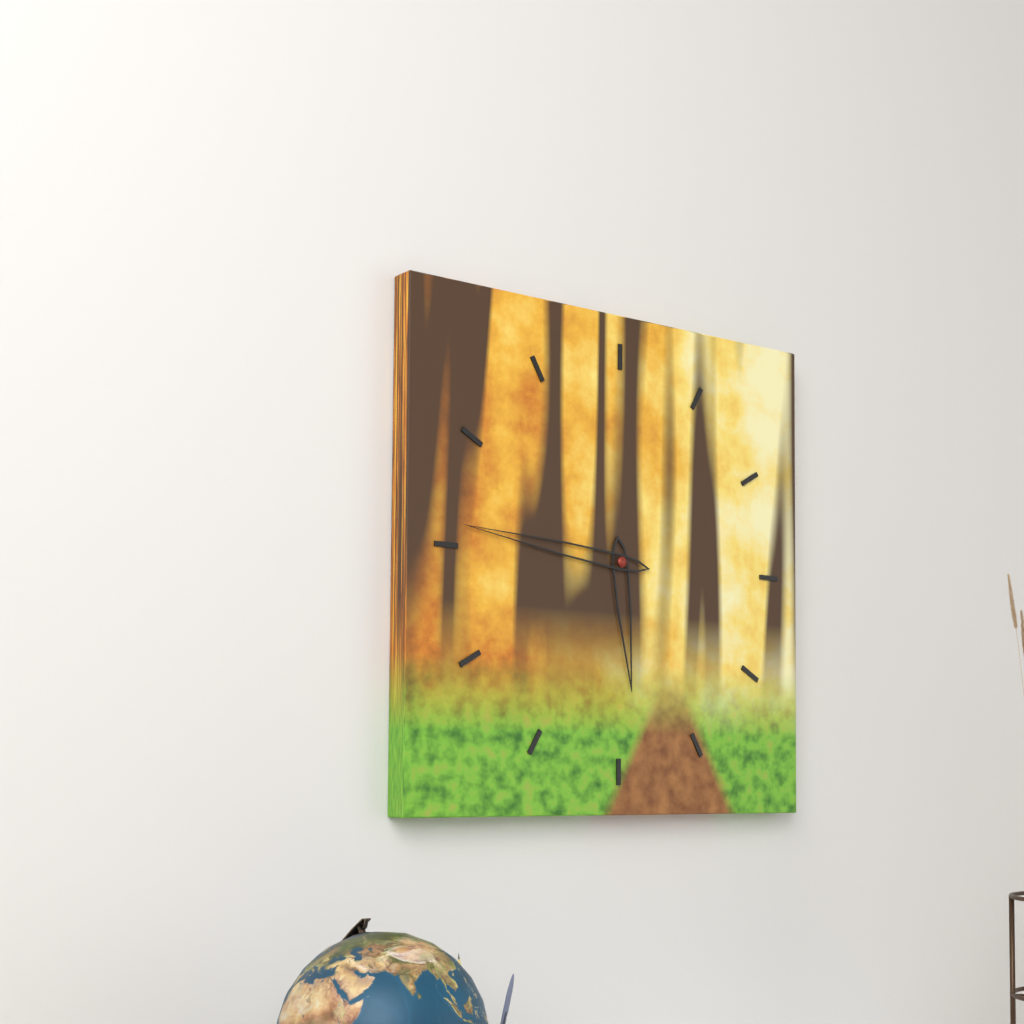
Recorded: h=5 m=46
